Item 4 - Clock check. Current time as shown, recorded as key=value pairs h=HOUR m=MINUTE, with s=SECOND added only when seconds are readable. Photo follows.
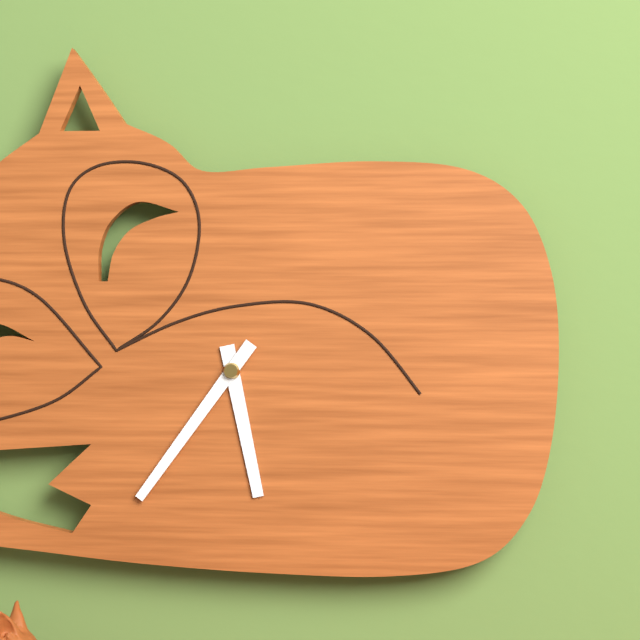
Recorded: h=5 m=36
